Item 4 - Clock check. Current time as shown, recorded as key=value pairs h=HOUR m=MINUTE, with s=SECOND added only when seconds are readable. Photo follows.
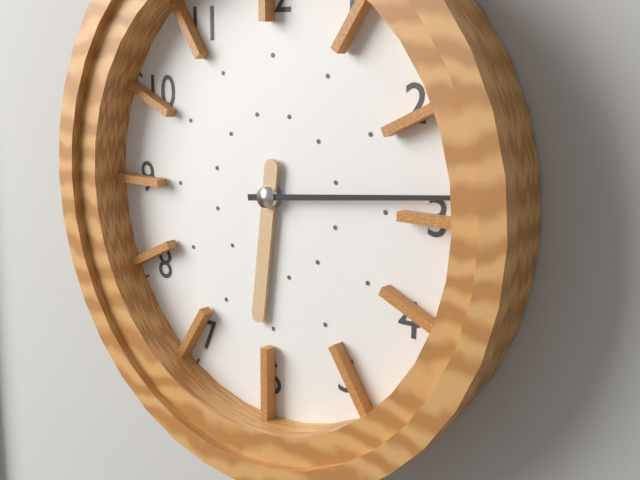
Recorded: h=6 m=14
